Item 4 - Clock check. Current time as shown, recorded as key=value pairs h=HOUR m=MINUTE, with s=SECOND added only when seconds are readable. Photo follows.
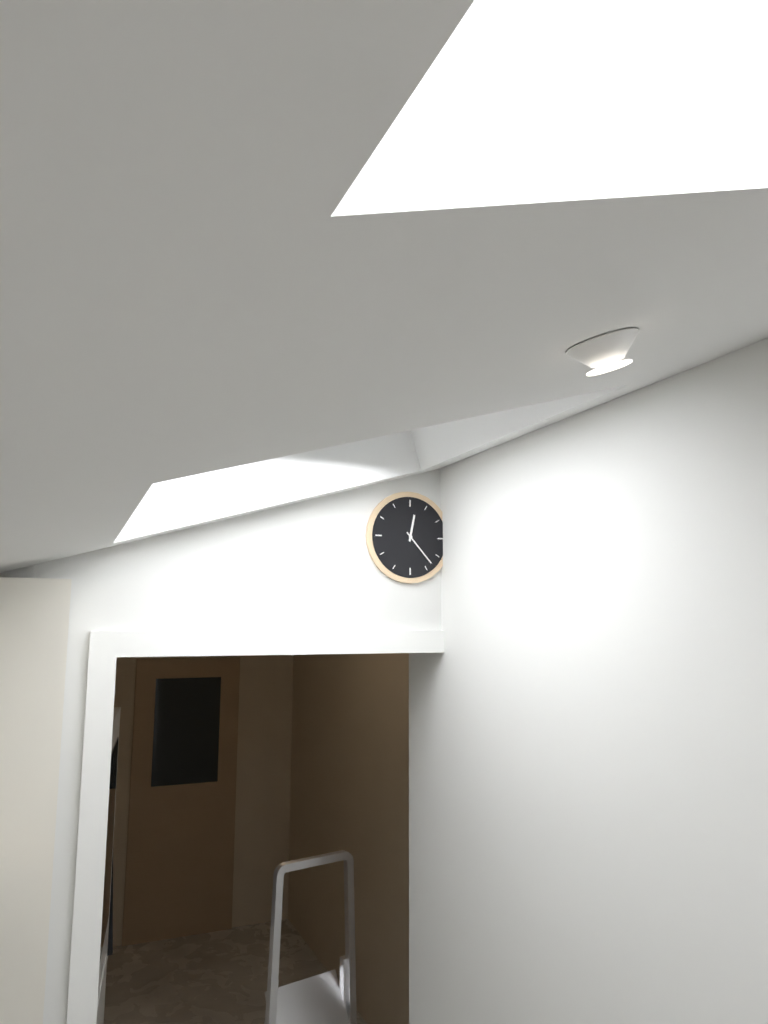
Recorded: h=12 m=23
